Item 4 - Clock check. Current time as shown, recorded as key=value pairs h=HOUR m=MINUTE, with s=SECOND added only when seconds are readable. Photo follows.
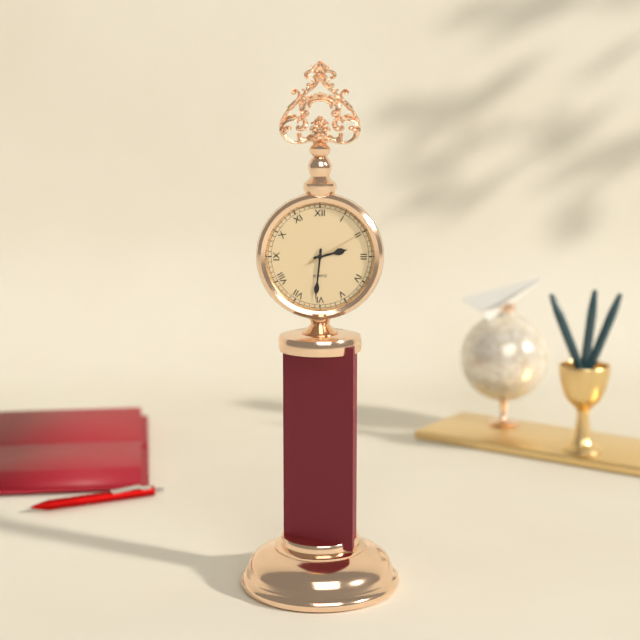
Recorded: h=2 m=31 s=10
